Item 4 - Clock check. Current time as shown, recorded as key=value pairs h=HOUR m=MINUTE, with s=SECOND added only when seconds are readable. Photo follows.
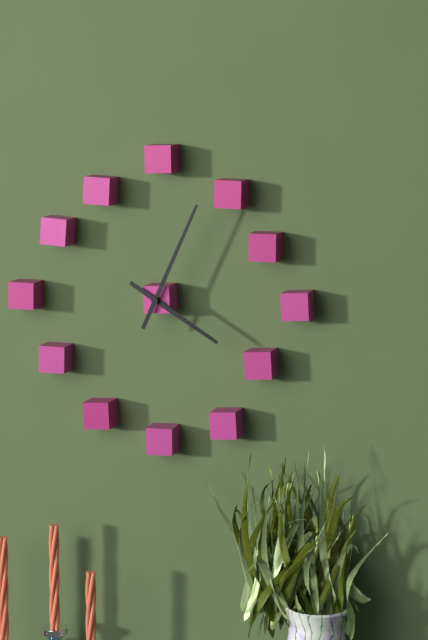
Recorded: h=4 m=4
